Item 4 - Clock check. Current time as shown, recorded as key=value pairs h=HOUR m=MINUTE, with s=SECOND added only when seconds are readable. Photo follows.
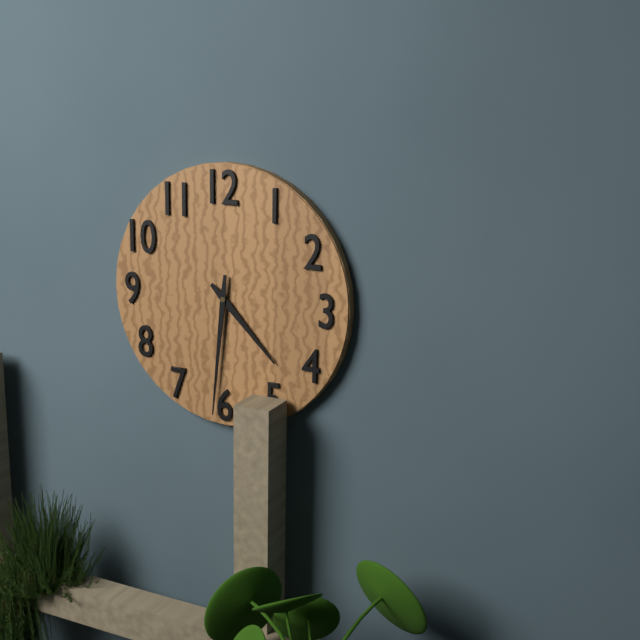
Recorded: h=4 m=31
